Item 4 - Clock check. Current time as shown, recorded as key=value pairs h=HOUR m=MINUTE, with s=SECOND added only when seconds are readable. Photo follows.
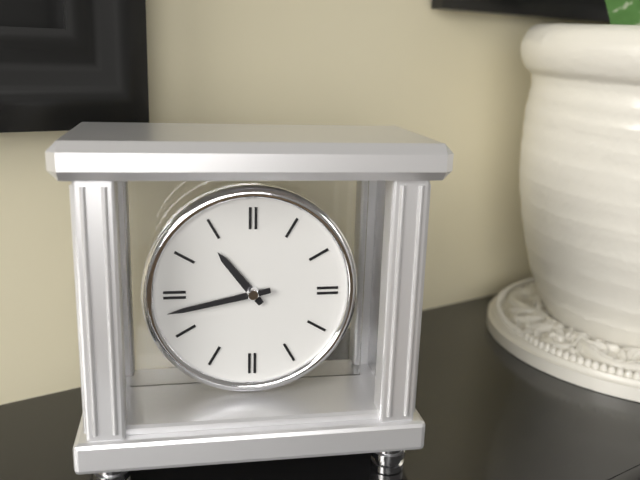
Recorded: h=10 m=43
